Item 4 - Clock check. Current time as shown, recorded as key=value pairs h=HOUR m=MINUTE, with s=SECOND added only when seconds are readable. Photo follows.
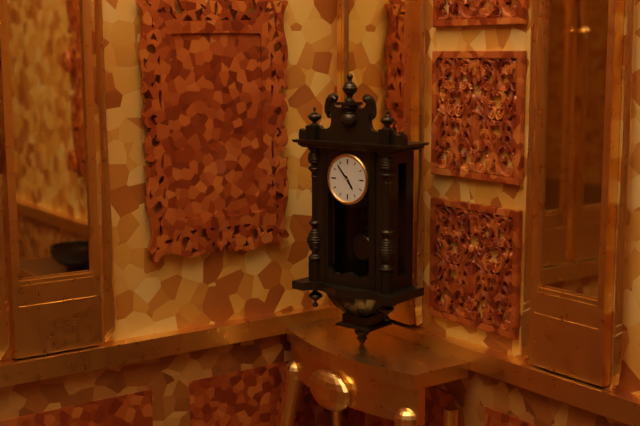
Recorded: h=4 m=53
